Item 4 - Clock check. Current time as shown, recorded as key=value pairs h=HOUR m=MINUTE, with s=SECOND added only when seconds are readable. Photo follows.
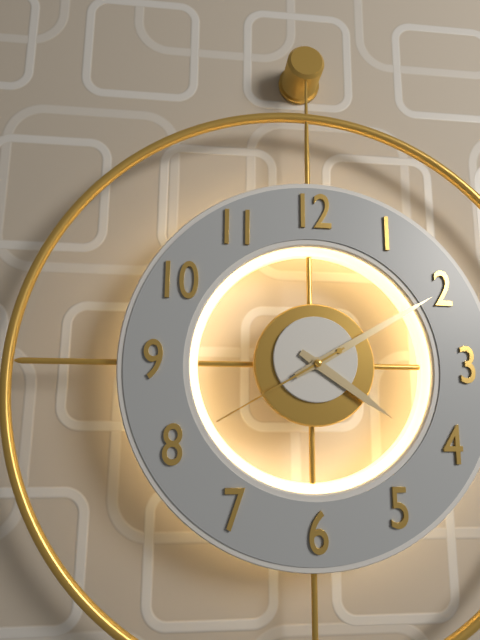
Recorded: h=4 m=10 s=40
